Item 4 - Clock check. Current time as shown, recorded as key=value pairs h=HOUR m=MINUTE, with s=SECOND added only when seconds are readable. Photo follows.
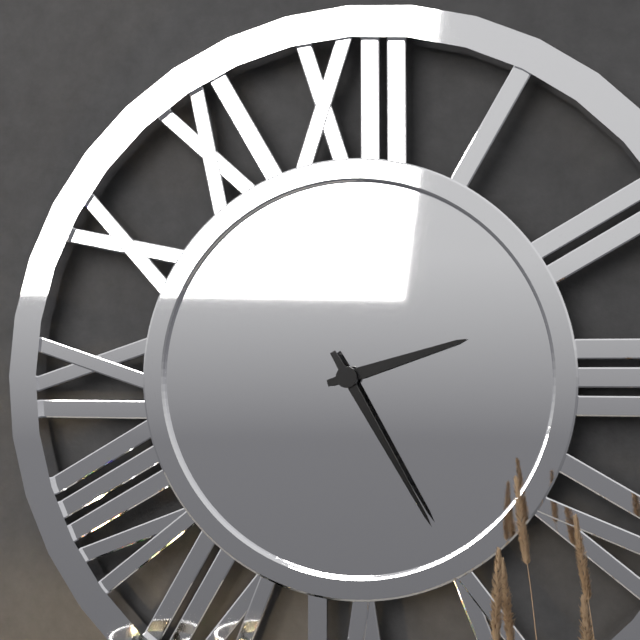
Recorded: h=2 m=25
